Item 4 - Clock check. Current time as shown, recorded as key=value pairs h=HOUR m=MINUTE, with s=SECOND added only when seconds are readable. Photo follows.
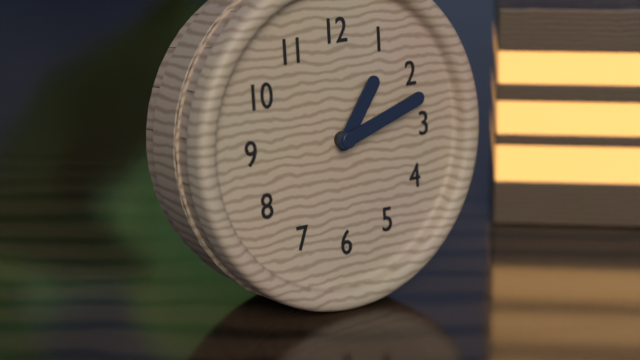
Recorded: h=1 m=12
